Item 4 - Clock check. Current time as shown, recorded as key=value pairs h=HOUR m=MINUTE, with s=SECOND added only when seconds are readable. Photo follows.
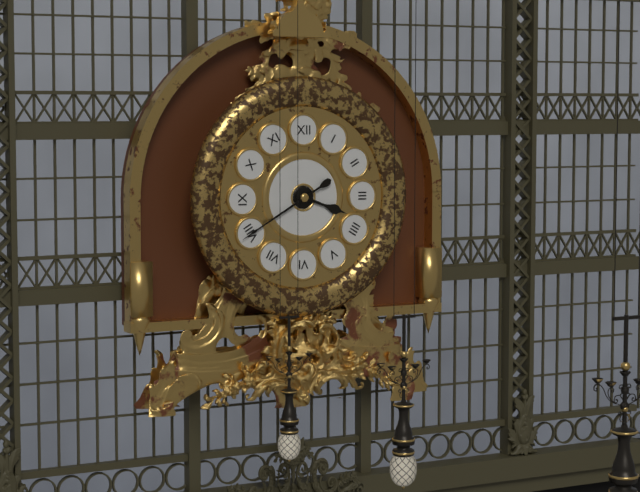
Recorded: h=3 m=40
